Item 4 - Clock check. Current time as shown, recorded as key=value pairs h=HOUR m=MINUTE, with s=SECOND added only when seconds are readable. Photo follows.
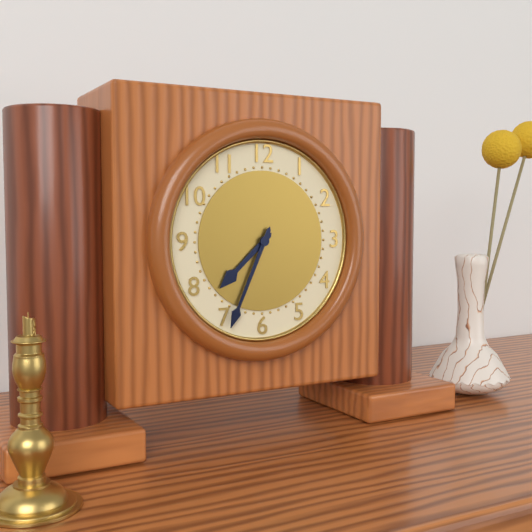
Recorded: h=7 m=34
